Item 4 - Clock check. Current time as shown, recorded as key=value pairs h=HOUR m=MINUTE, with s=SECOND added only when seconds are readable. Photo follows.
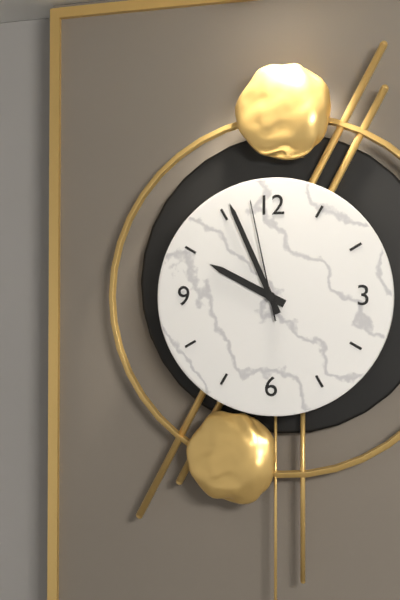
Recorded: h=9 m=56 s=58
